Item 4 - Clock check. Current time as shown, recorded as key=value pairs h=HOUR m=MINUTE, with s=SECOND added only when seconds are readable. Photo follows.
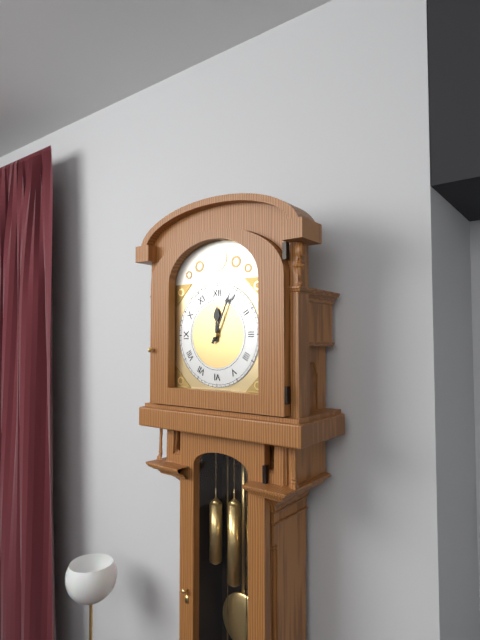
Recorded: h=12 m=4
